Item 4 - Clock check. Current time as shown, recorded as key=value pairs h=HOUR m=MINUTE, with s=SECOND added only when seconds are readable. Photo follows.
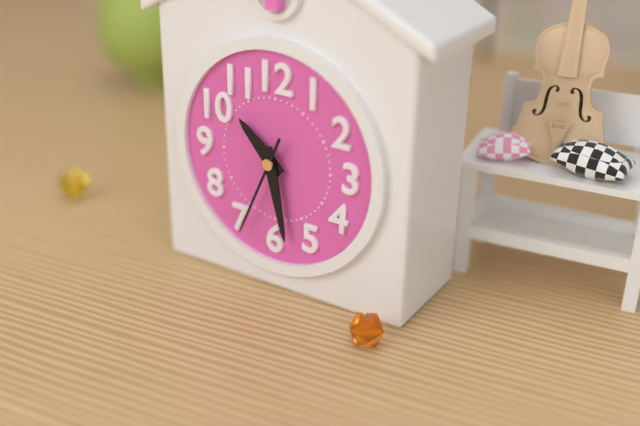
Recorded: h=10 m=28 s=34
